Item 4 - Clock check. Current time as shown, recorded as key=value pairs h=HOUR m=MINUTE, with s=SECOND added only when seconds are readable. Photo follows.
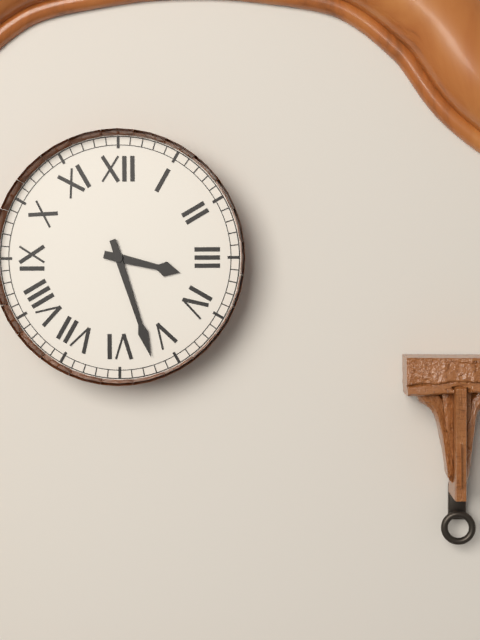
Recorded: h=3 m=27
